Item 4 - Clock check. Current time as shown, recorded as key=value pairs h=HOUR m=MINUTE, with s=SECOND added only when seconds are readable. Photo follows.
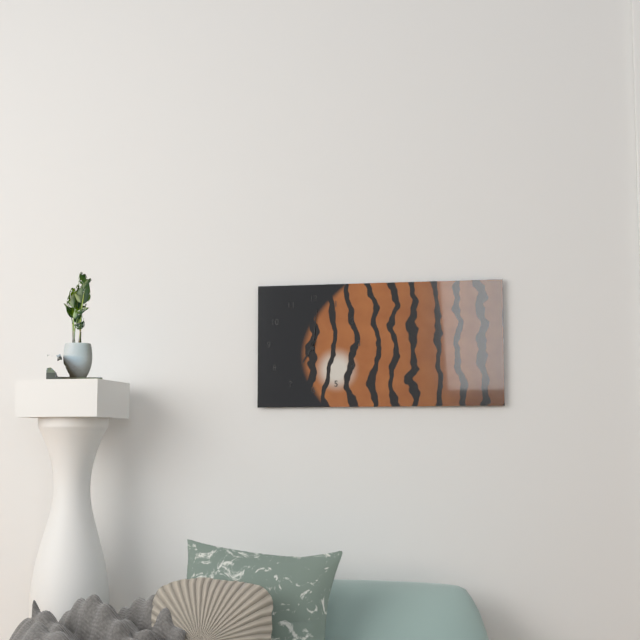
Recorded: h=7 m=1
